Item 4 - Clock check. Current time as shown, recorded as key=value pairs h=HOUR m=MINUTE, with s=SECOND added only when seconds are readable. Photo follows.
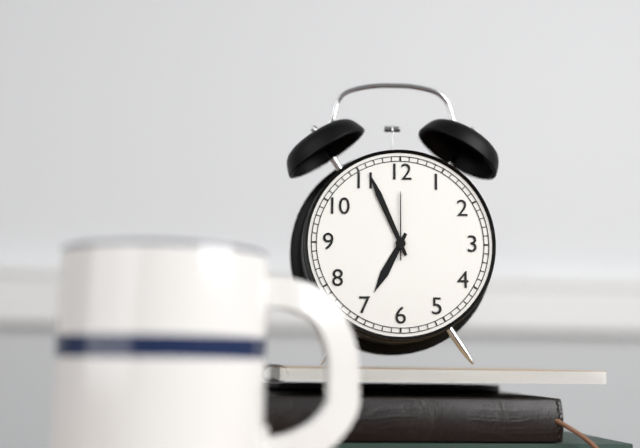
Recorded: h=6 m=56 s=0
